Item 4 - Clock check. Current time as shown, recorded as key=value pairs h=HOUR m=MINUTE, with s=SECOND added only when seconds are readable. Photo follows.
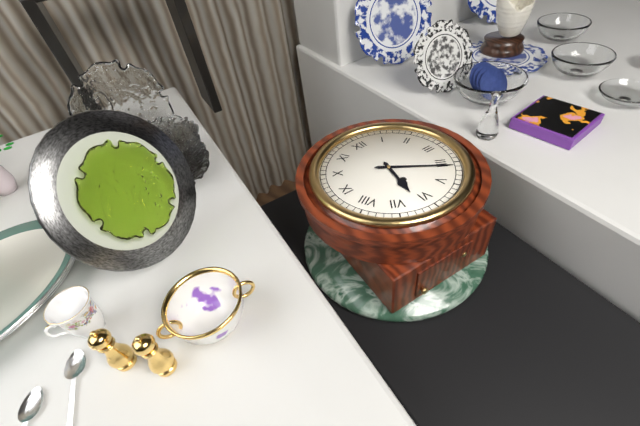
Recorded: h=6 m=21
